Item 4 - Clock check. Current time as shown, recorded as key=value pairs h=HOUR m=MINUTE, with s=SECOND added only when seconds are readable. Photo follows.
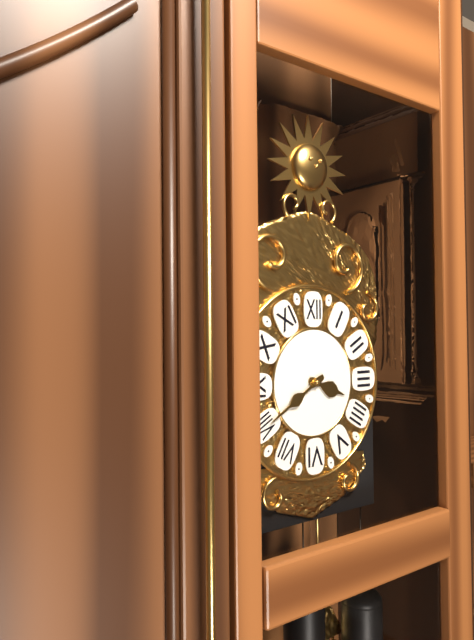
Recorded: h=3 m=40
